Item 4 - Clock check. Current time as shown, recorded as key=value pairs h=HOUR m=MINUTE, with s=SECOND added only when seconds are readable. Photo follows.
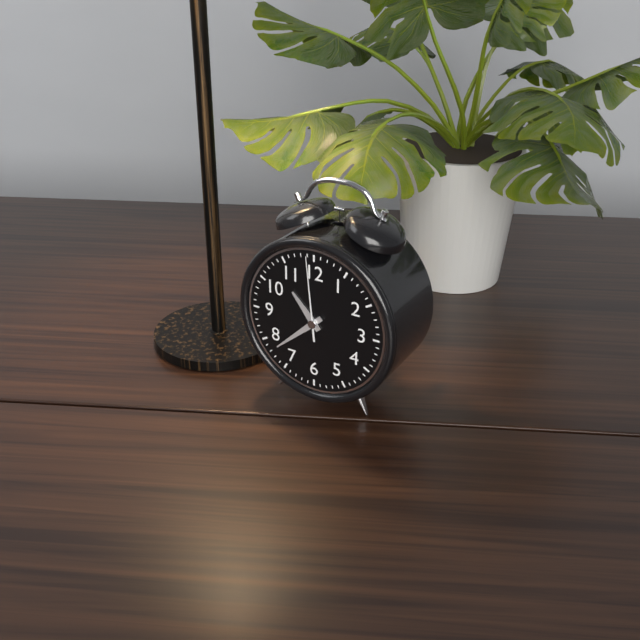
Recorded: h=10 m=38 s=59
